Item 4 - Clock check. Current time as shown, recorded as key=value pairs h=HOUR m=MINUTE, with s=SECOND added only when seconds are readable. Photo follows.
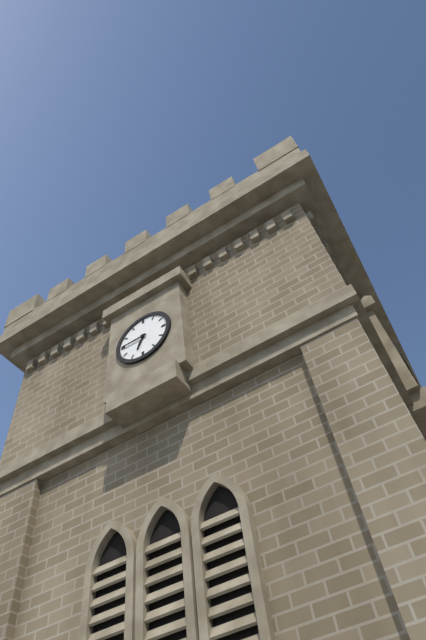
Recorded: h=6 m=45
